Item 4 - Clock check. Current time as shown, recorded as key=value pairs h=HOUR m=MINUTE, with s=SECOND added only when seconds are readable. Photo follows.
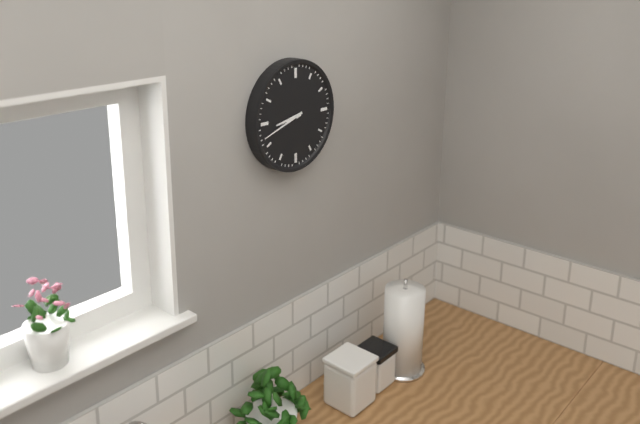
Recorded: h=8 m=42
